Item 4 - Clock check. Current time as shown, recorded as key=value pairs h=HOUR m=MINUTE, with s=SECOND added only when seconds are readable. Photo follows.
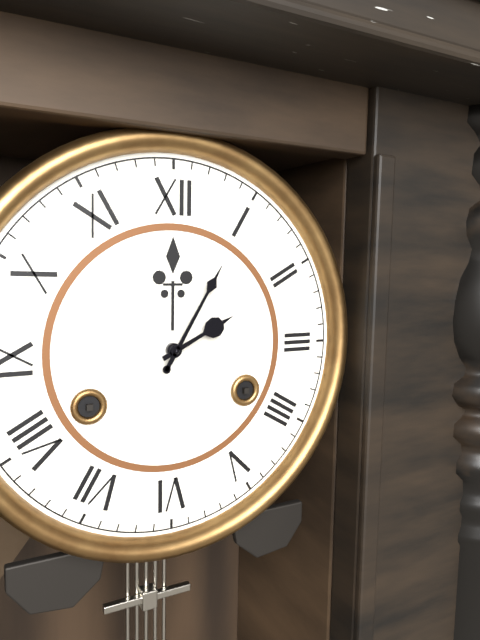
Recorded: h=2 m=5
